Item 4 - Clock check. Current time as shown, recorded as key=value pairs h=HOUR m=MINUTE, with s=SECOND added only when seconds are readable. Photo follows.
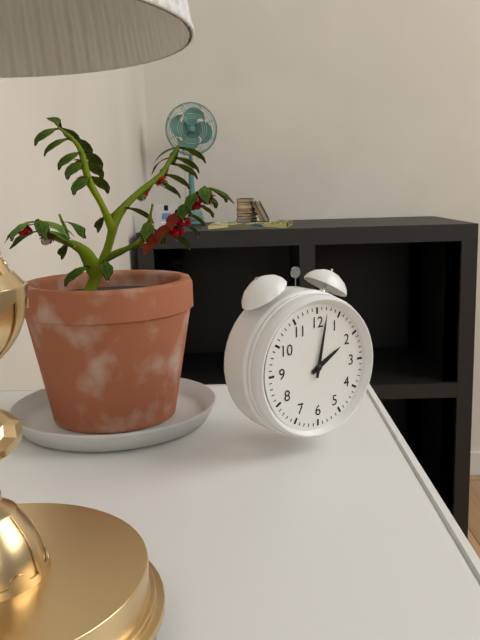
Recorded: h=2 m=2
